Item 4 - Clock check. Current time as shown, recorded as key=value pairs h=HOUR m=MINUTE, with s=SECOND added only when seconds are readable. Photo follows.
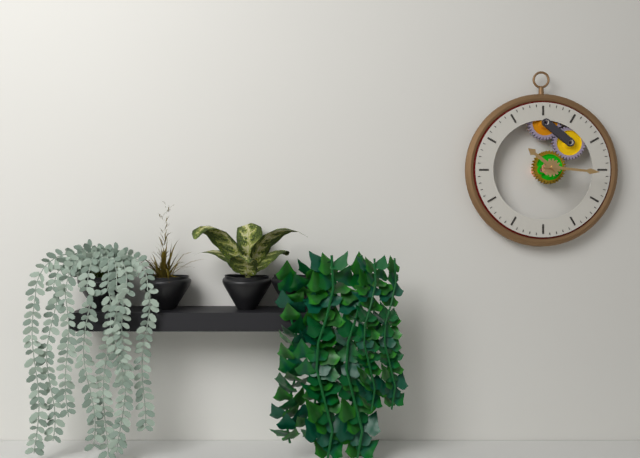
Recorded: h=10 m=16
